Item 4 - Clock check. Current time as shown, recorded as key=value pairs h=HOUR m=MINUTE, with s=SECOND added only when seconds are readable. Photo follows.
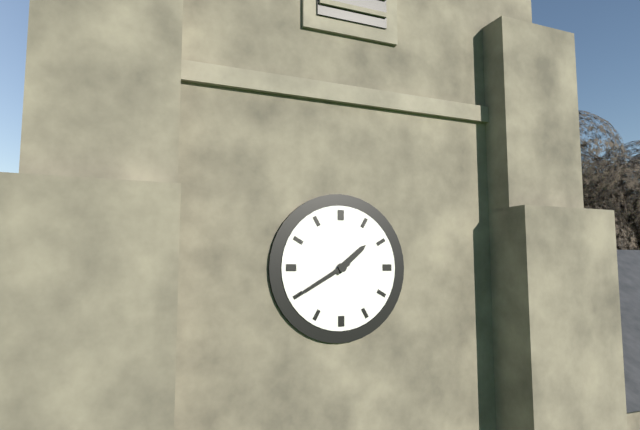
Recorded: h=1 m=40
